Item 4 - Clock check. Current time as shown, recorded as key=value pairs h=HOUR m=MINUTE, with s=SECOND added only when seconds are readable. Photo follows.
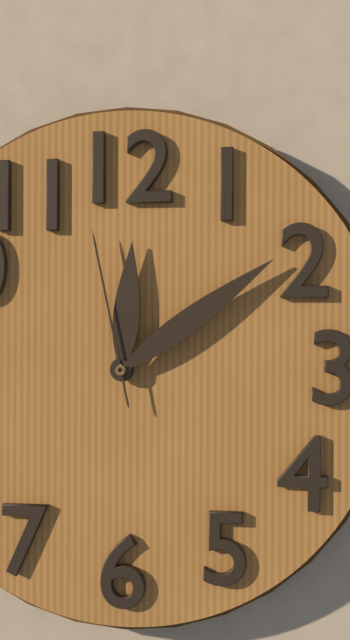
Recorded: h=12 m=9 s=58
